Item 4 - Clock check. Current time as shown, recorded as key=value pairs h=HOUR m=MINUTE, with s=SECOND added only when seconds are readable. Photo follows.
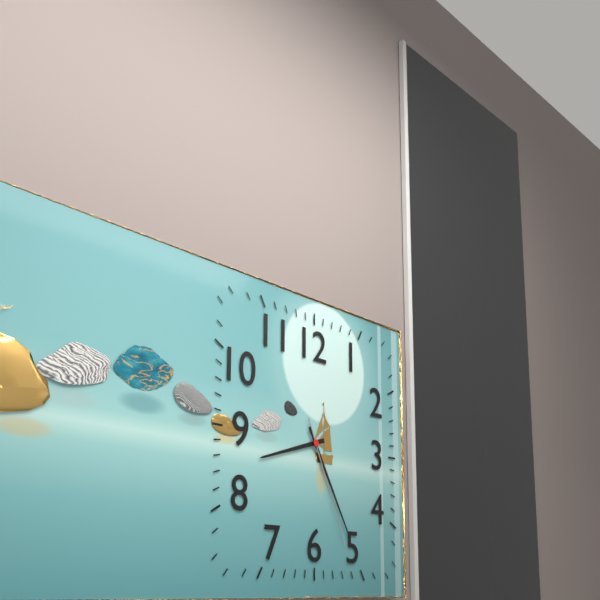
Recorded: h=8 m=25 s=26
